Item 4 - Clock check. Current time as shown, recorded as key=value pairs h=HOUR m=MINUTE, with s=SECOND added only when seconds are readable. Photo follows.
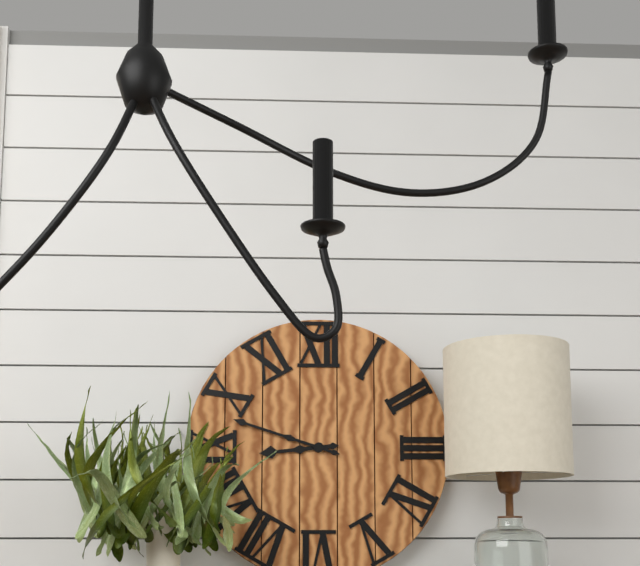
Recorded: h=8 m=48
